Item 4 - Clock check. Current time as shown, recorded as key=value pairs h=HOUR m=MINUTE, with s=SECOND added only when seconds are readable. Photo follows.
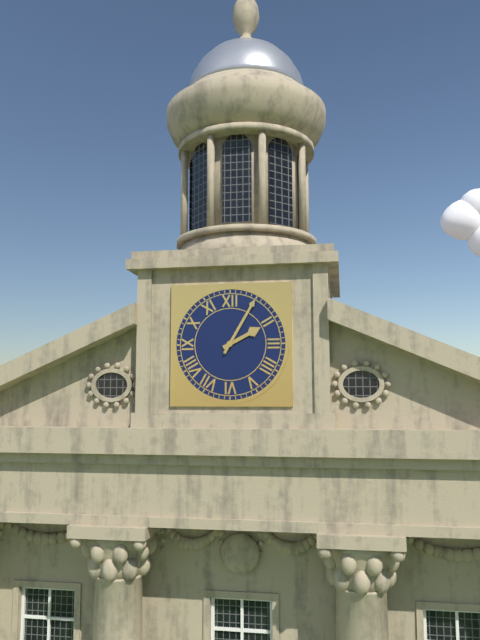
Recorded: h=2 m=5
